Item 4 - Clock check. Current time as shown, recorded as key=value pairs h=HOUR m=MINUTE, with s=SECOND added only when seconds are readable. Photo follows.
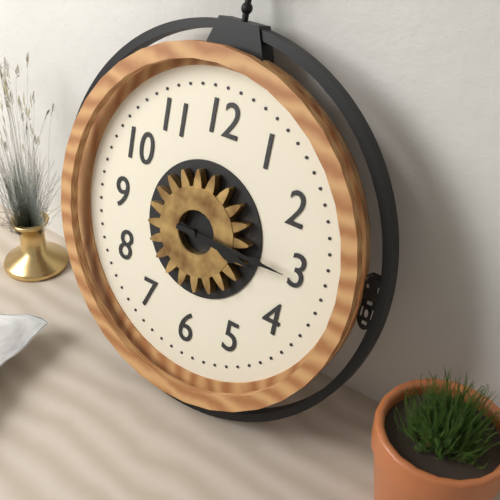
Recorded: h=3 m=15
